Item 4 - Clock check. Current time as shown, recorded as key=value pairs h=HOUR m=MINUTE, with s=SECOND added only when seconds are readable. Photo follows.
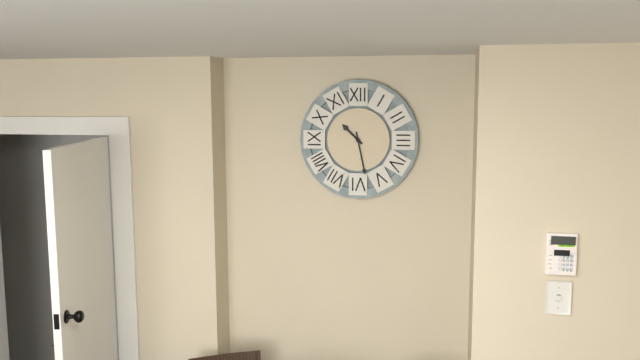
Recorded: h=10 m=28
